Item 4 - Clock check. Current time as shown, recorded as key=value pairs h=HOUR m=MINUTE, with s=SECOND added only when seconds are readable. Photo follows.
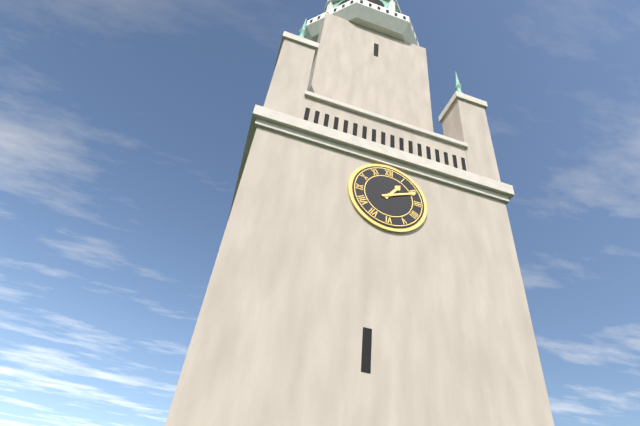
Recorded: h=1 m=11
